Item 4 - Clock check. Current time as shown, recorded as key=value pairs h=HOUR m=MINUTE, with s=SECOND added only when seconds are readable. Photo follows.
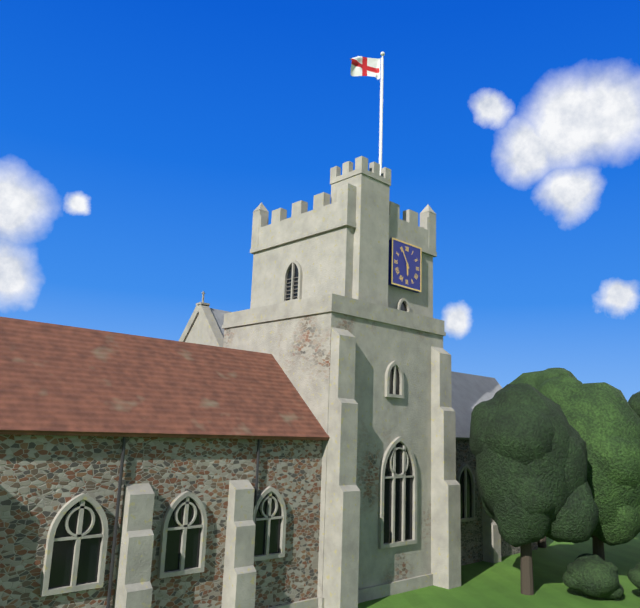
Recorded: h=5 m=55
